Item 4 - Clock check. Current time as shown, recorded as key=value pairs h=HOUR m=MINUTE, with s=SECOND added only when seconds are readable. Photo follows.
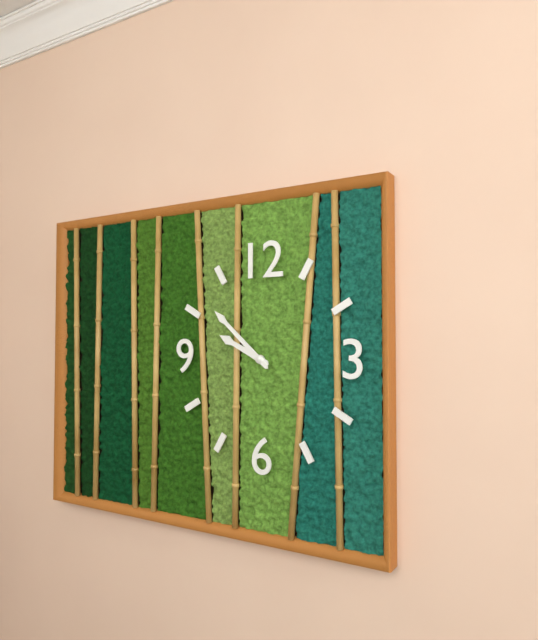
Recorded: h=9 m=52
